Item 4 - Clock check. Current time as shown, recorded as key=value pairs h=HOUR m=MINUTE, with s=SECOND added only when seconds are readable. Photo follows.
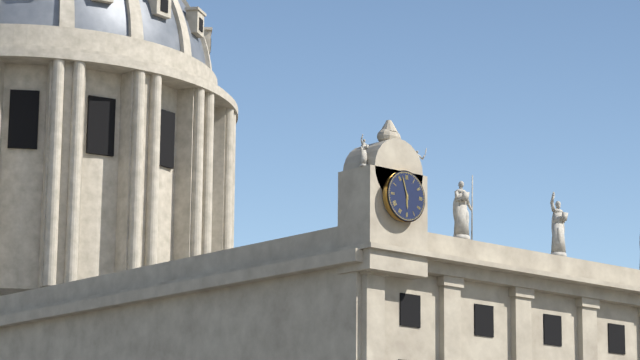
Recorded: h=5 m=57
